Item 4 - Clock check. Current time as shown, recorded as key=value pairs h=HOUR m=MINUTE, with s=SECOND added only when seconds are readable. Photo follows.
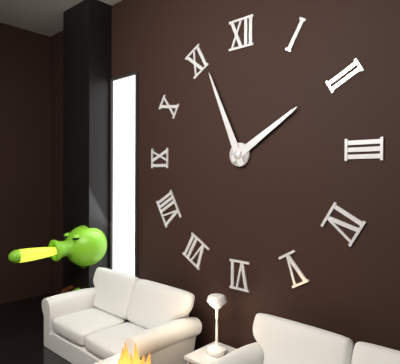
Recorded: h=1 m=56
